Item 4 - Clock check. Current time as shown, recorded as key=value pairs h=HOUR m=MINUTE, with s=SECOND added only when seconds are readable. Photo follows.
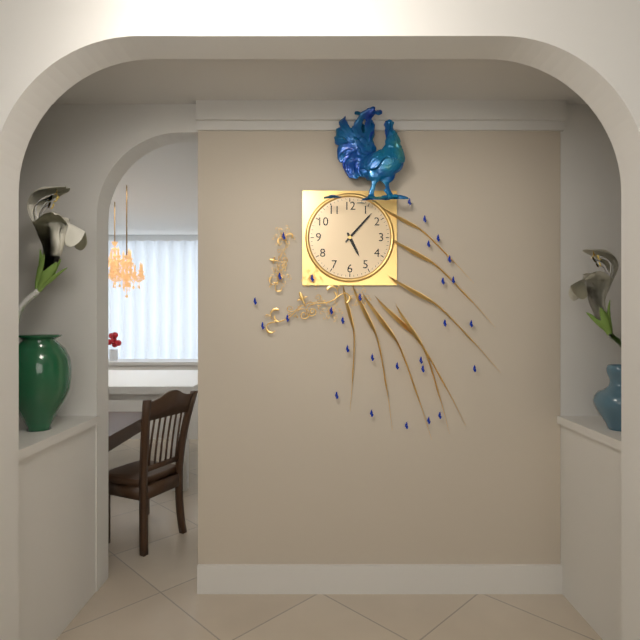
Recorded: h=5 m=7
